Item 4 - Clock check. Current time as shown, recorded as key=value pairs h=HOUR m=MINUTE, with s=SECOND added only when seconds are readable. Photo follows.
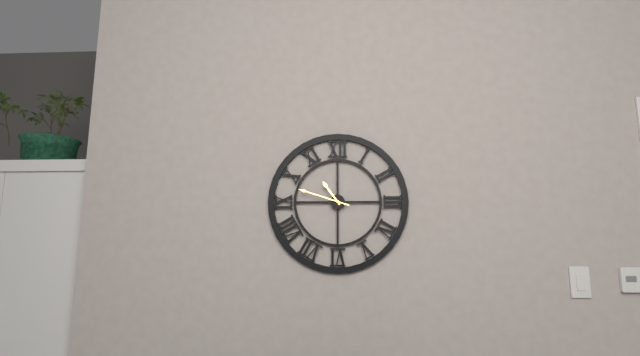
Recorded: h=10 m=48
